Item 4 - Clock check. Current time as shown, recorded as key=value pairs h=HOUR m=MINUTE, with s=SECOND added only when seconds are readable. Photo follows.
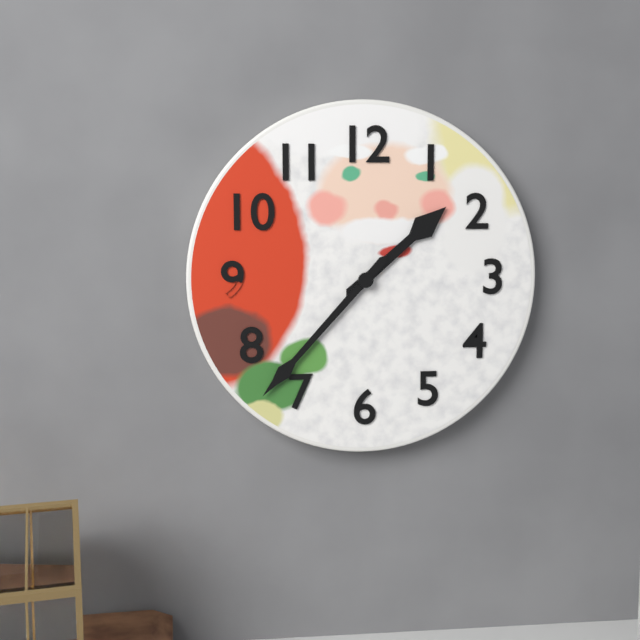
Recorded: h=1 m=37
